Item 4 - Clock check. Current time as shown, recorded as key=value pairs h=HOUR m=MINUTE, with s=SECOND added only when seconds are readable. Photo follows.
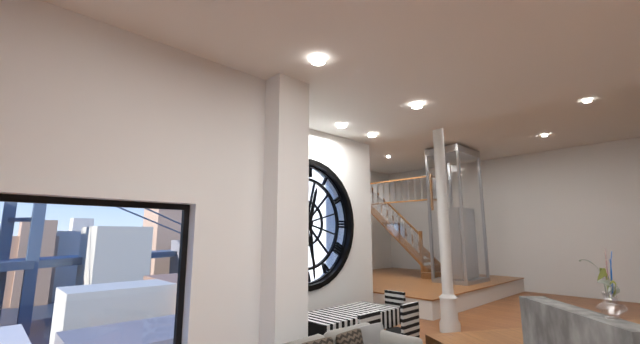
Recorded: h=12 m=29
